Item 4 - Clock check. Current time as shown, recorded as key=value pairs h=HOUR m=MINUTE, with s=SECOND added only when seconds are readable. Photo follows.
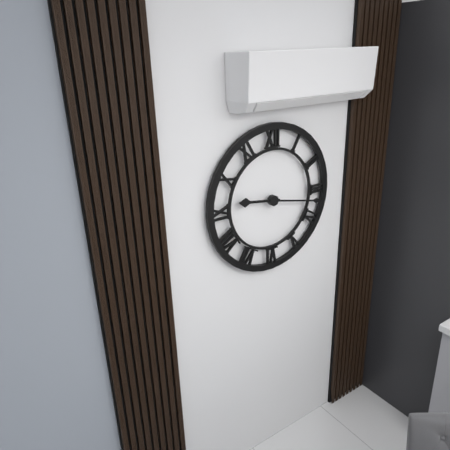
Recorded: h=9 m=17
